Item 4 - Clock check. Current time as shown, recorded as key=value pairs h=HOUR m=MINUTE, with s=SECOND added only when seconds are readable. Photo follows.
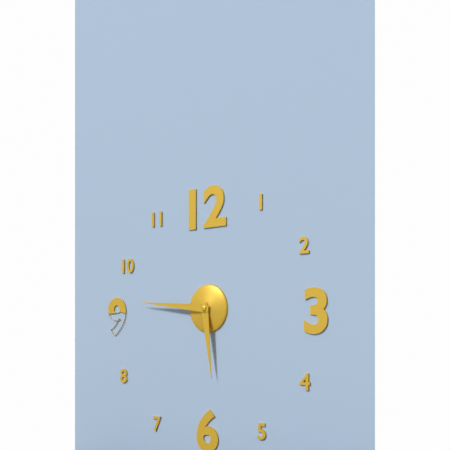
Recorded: h=5 m=46
